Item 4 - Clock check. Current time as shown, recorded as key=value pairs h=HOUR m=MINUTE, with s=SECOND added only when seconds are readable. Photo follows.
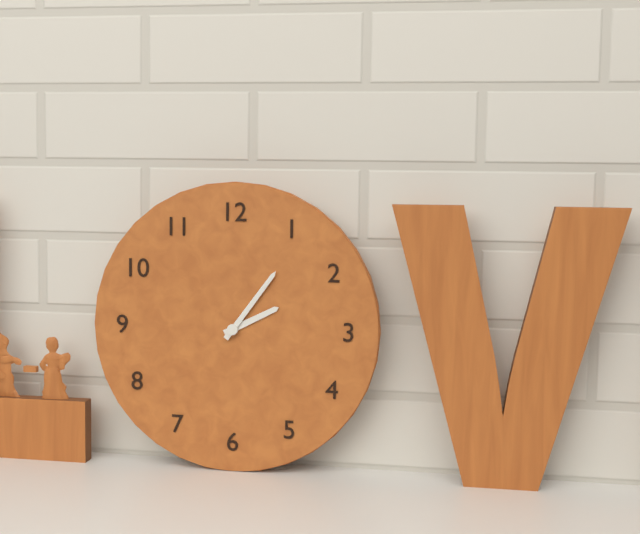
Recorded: h=2 m=6
